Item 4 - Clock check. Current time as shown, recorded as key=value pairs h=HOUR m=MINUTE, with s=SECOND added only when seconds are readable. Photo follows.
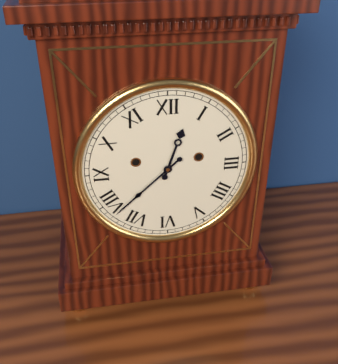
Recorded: h=12 m=38
